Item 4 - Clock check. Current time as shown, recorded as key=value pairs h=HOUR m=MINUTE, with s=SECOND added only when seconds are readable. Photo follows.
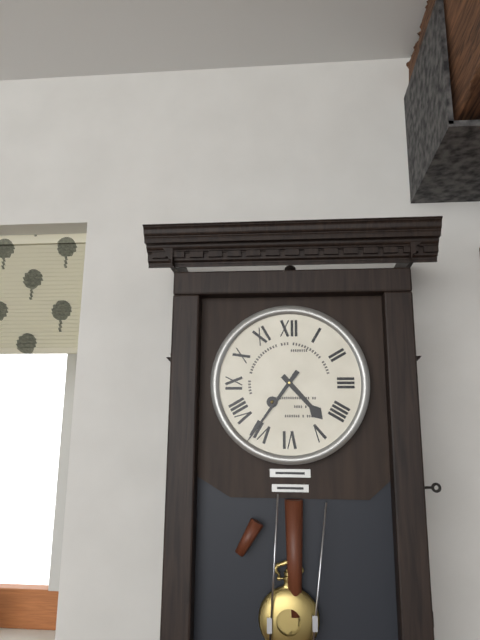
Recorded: h=4 m=36
